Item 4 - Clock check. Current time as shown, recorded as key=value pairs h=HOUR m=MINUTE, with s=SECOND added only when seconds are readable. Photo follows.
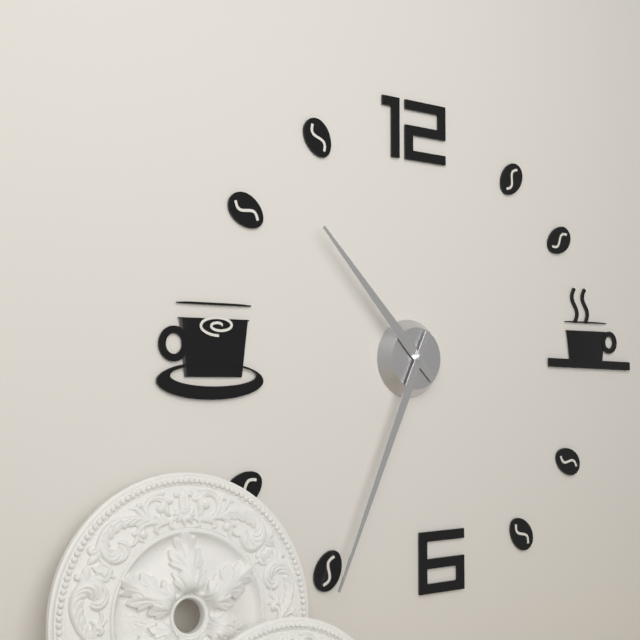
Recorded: h=10 m=34
